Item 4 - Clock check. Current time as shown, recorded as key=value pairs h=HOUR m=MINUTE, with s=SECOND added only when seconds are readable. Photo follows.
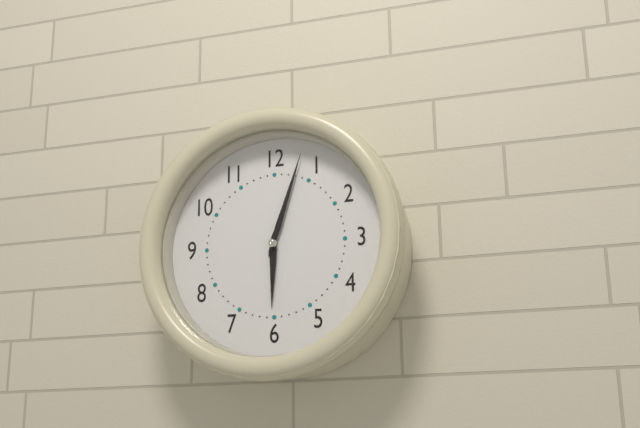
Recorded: h=6 m=3
